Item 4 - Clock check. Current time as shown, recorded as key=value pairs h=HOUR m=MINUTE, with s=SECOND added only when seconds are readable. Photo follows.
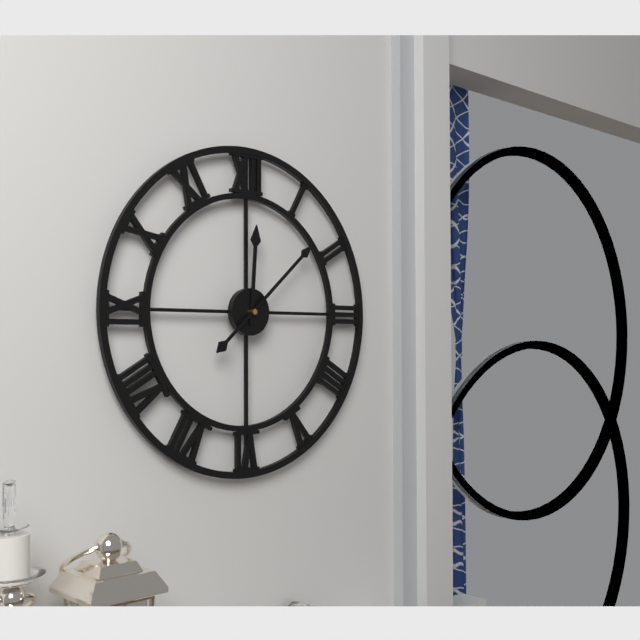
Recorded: h=12 m=8
